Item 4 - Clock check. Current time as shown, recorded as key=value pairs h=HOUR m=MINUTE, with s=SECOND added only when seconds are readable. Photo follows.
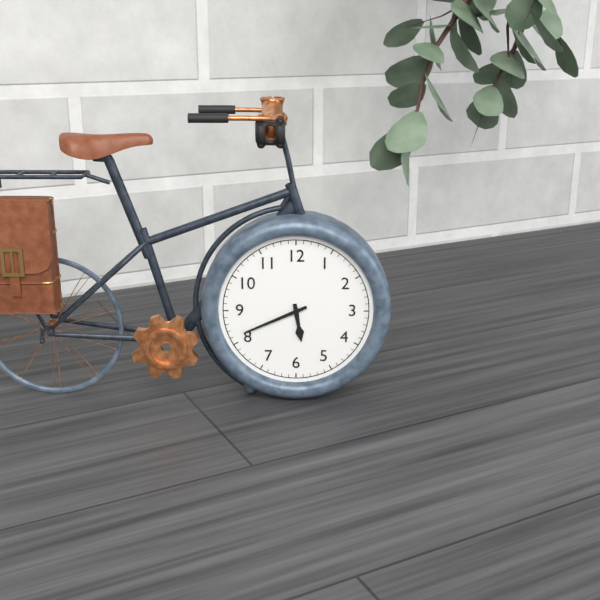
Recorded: h=5 m=41
